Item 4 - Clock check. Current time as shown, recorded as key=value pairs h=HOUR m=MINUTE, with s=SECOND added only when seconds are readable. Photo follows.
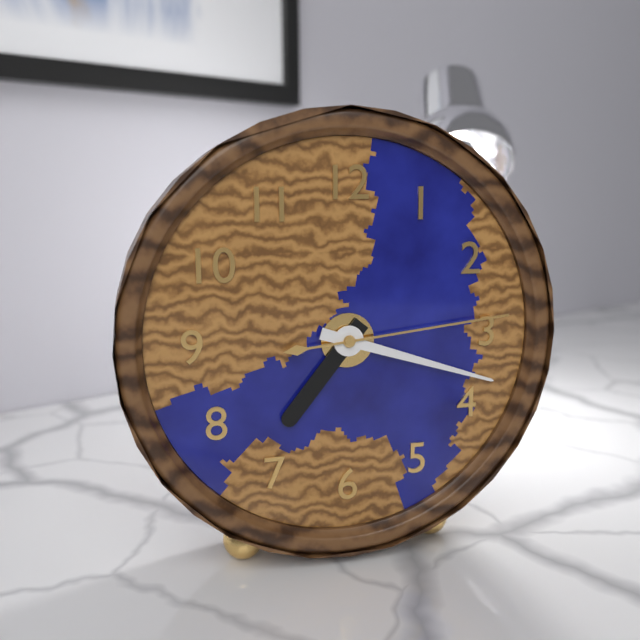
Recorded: h=7 m=18 s=14
